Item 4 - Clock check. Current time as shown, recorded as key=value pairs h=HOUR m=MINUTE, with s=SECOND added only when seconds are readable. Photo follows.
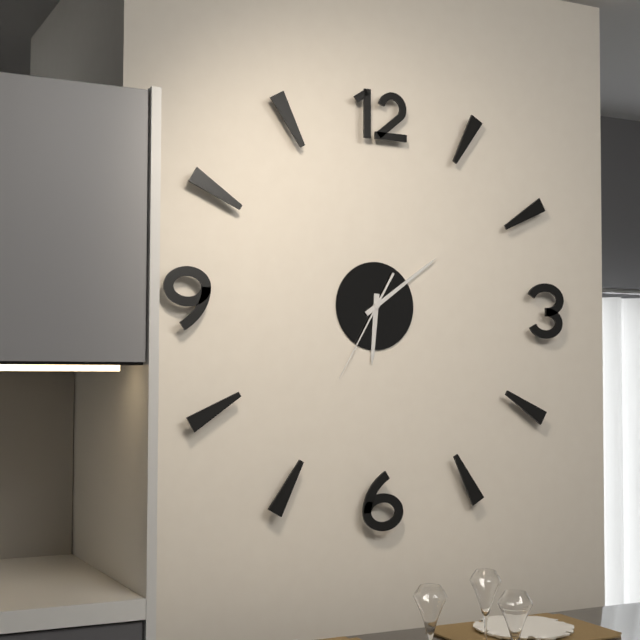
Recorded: h=6 m=9 s=35
